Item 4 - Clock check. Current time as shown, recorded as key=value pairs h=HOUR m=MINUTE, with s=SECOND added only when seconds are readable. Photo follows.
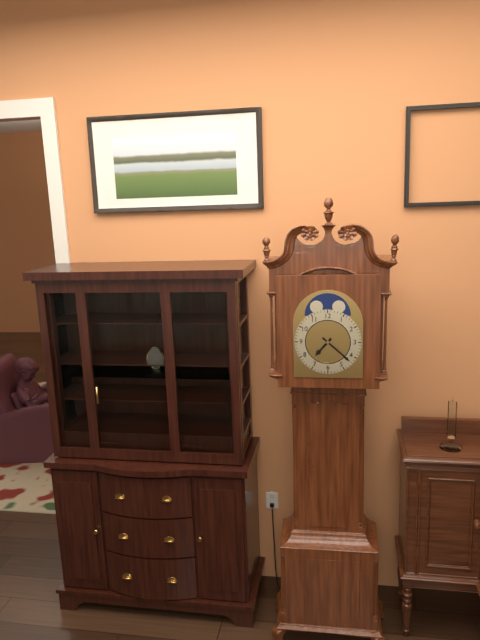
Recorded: h=7 m=22
